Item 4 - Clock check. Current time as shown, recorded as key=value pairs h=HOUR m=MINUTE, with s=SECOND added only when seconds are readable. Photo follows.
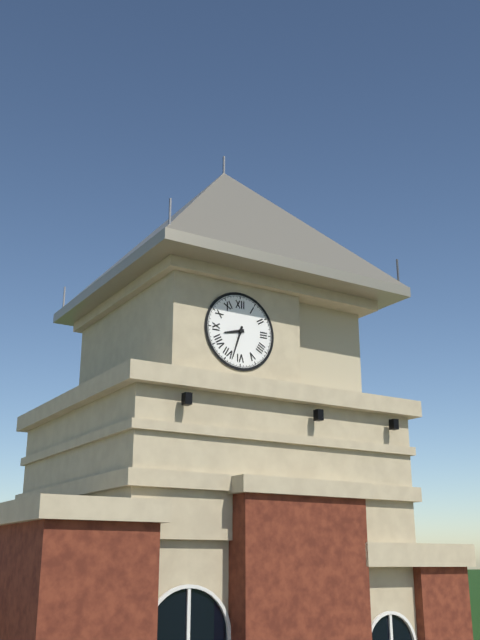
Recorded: h=8 m=33
